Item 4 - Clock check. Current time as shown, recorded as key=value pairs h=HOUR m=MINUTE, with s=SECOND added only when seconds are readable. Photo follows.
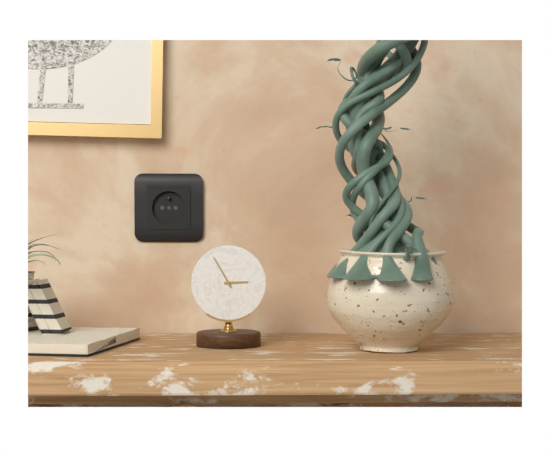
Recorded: h=2 m=55
